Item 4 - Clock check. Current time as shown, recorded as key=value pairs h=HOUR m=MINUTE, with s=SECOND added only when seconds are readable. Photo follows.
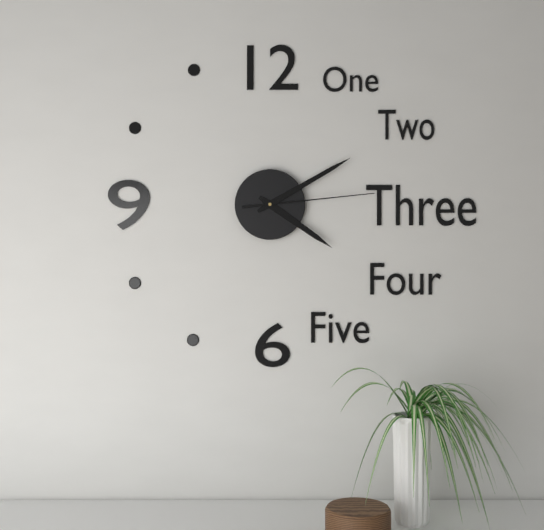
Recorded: h=4 m=10 s=14
